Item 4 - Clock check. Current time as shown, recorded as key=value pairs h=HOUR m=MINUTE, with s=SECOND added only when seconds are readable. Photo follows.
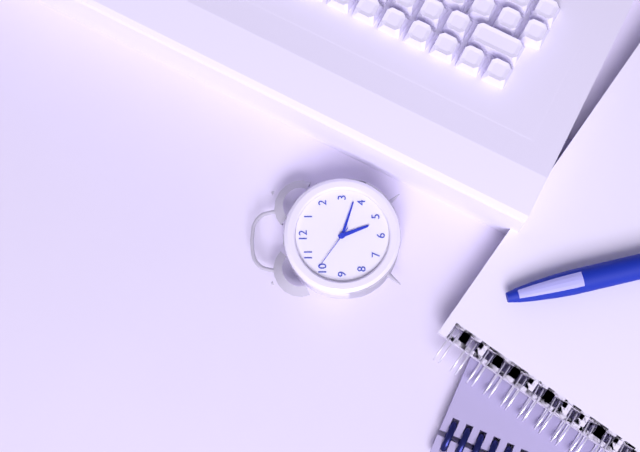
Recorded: h=5 m=18
